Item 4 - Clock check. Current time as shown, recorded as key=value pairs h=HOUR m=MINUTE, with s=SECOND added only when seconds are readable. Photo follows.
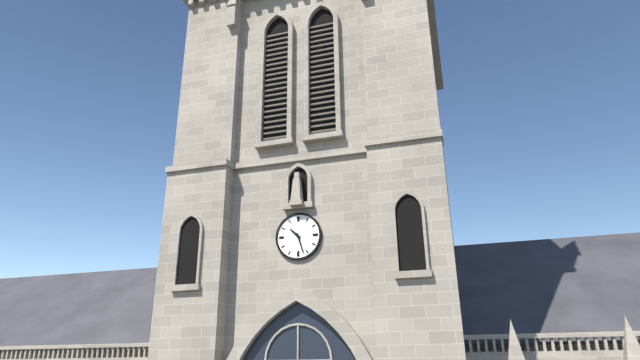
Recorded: h=10 m=27
